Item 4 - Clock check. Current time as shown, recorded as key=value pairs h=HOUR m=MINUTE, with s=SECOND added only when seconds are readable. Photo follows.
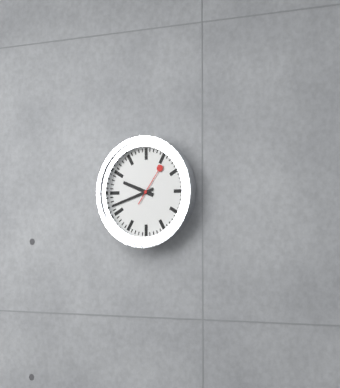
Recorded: h=9 m=42
